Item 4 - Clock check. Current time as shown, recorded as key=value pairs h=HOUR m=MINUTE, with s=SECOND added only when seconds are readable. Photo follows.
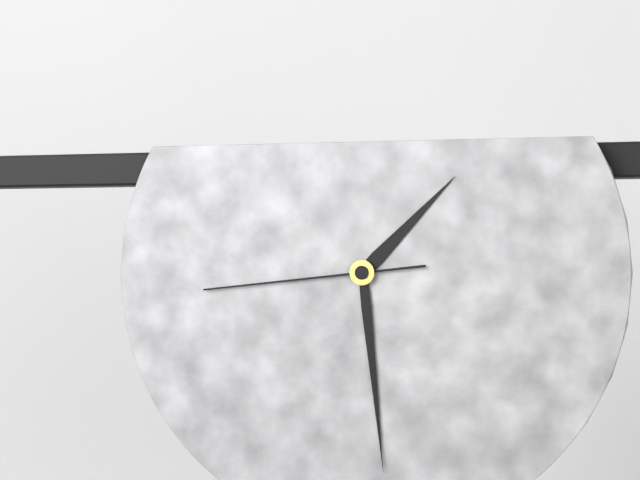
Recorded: h=1 m=29 s=44
